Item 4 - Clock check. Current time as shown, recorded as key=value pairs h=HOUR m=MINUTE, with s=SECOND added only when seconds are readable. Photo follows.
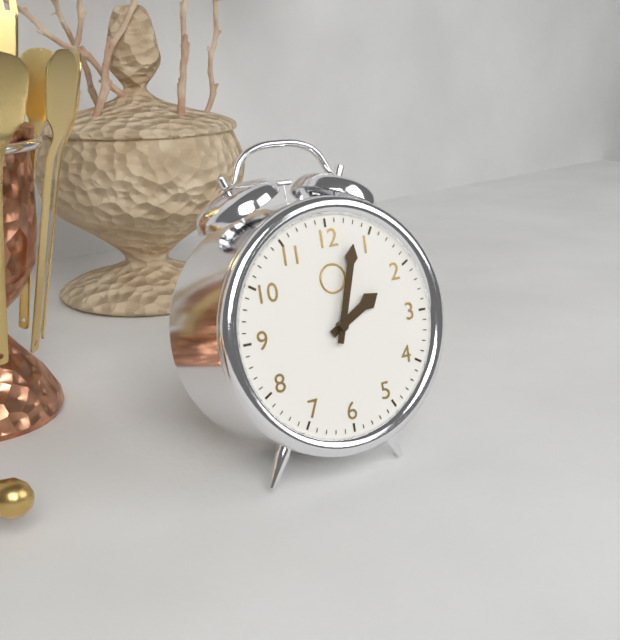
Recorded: h=2 m=3
